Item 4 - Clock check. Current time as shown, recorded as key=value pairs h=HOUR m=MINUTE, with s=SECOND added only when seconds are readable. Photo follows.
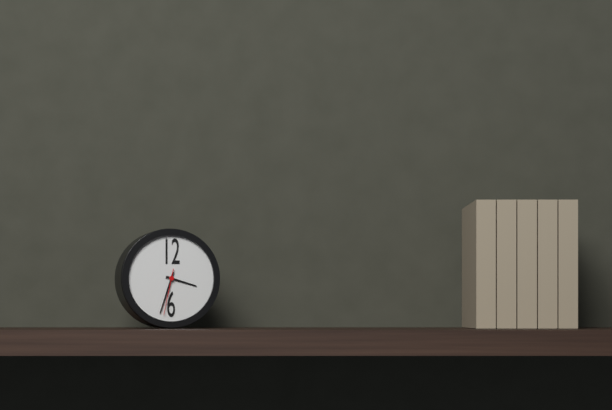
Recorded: h=3 m=33
